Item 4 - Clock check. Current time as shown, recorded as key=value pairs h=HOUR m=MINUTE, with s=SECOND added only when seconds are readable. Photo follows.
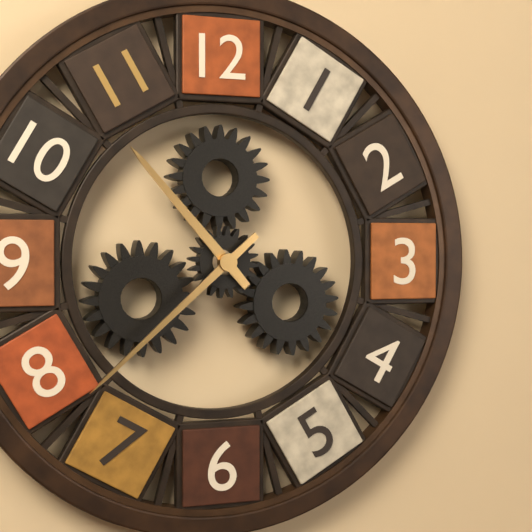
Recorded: h=10 m=38
